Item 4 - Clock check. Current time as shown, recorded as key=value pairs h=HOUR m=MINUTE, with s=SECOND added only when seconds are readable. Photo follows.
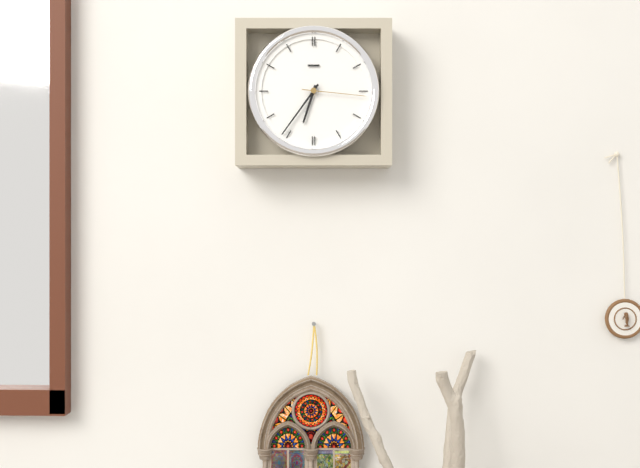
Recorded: h=6 m=36 s=16
